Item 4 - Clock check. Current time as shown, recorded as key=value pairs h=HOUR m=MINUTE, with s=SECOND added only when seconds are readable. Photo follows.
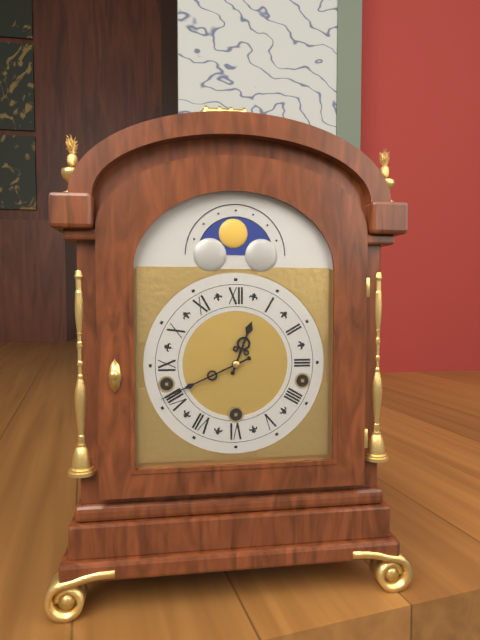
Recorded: h=12 m=41
